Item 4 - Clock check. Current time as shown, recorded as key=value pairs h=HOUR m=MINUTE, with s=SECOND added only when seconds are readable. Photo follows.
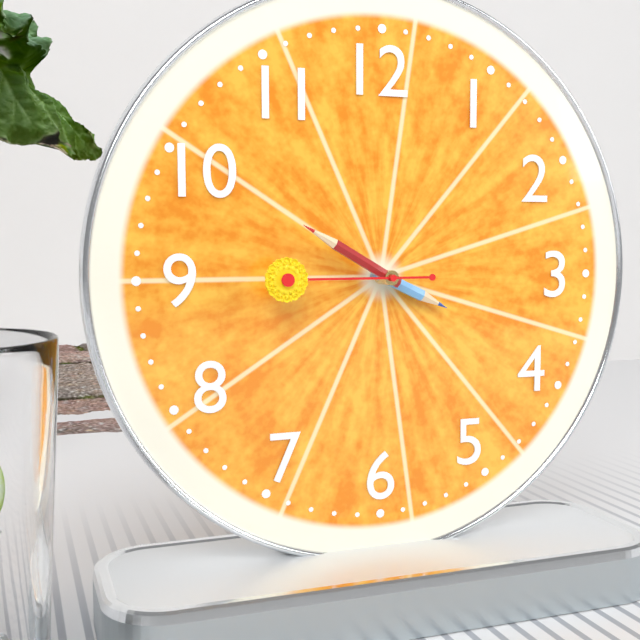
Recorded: h=3 m=50 s=45
